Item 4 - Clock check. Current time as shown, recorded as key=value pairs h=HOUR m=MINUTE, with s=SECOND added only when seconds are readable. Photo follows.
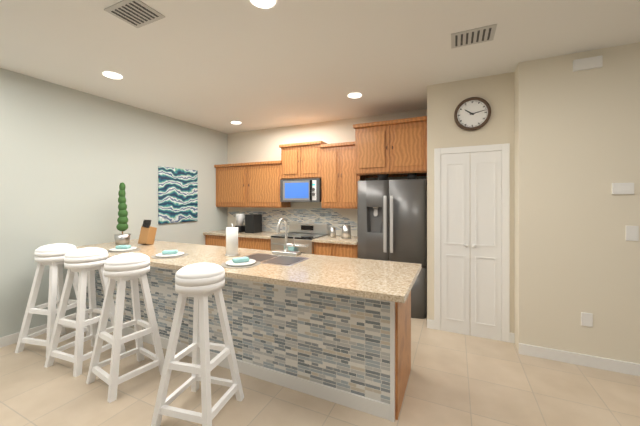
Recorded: h=10 m=13
